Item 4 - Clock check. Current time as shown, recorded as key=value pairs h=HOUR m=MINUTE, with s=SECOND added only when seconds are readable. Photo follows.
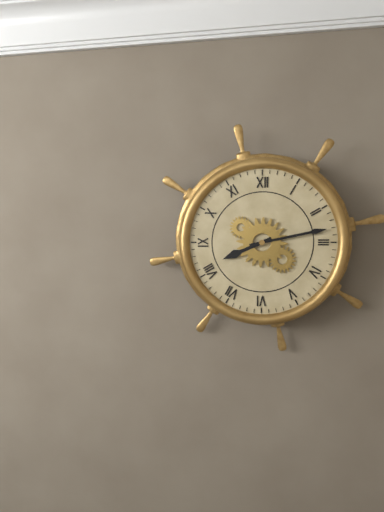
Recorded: h=8 m=13
